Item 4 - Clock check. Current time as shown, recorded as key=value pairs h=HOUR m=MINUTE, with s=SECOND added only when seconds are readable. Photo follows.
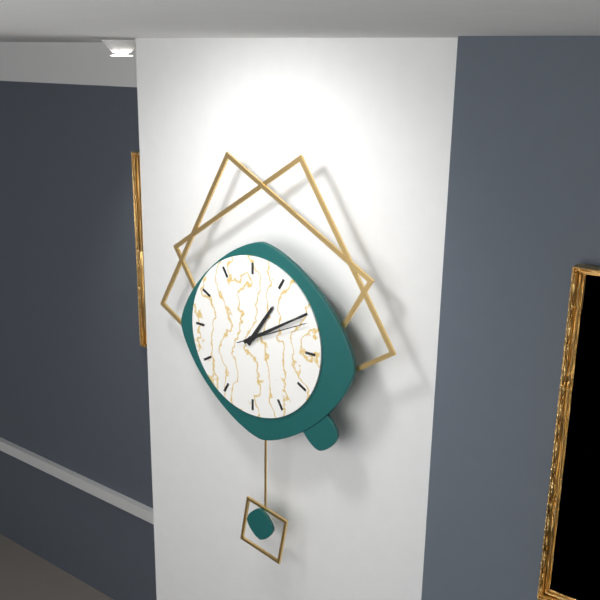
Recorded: h=1 m=10 s=11
